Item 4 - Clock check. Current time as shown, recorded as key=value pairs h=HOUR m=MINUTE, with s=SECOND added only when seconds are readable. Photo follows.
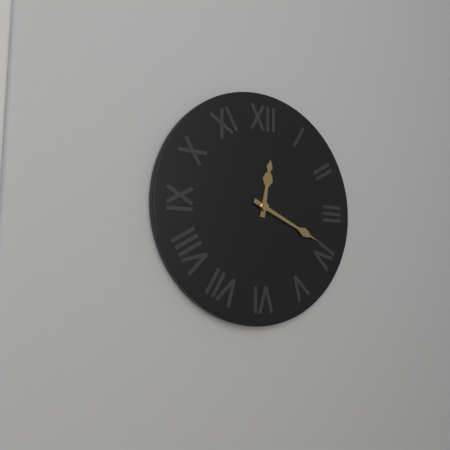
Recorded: h=12 m=19
